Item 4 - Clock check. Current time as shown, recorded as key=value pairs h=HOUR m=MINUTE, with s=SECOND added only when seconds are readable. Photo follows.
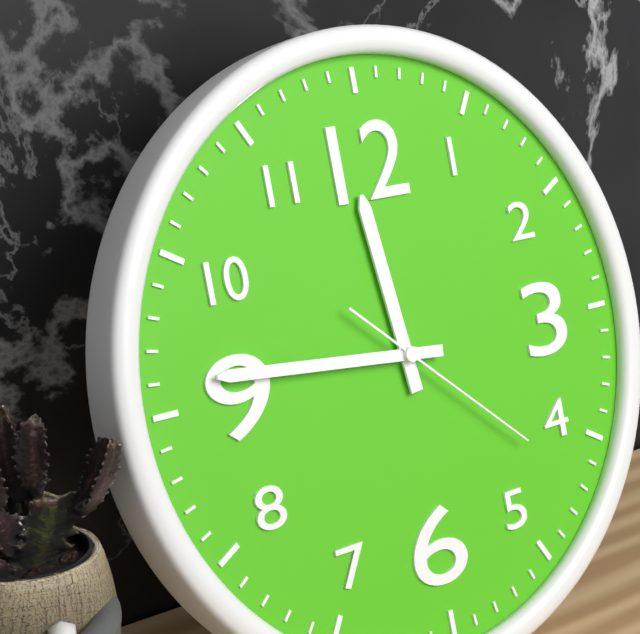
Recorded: h=11 m=46 s=22
